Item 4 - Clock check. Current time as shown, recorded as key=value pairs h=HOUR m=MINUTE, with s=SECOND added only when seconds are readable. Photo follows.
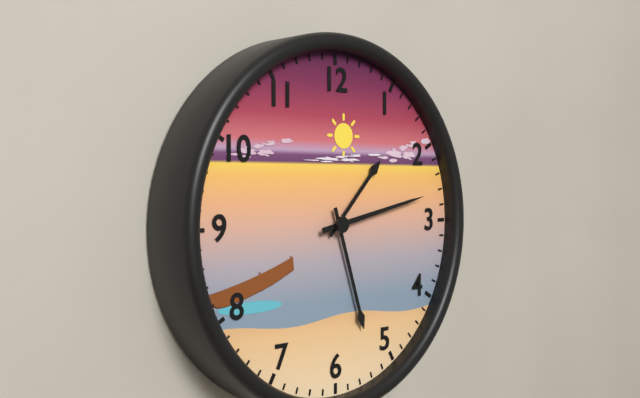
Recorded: h=1 m=27 s=13
